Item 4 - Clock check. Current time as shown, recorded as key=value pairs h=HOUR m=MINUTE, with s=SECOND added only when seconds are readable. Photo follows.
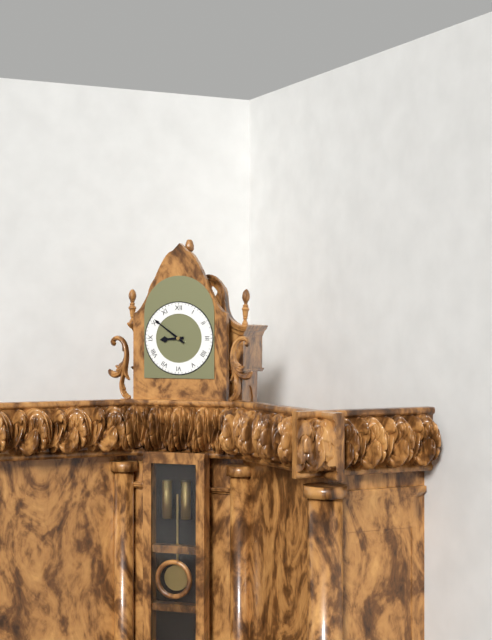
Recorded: h=8 m=51
